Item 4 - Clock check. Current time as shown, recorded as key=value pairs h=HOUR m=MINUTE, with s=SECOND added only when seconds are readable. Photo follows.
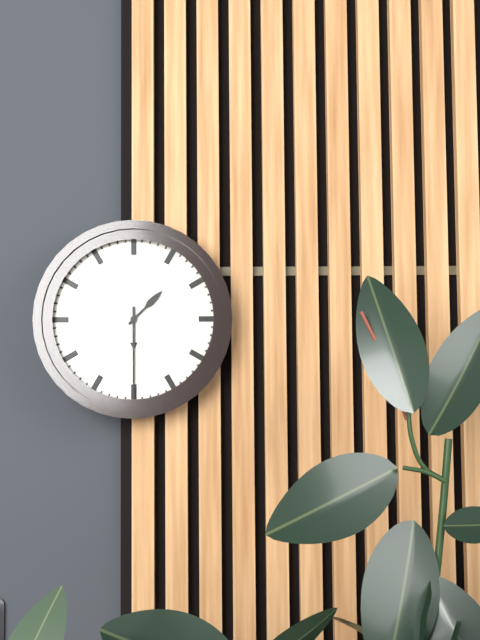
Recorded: h=1 m=30
